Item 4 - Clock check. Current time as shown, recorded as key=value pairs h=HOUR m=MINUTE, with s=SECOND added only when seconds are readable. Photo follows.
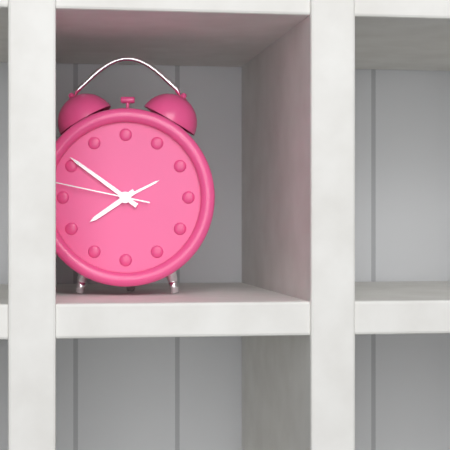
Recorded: h=7 m=51 s=47
